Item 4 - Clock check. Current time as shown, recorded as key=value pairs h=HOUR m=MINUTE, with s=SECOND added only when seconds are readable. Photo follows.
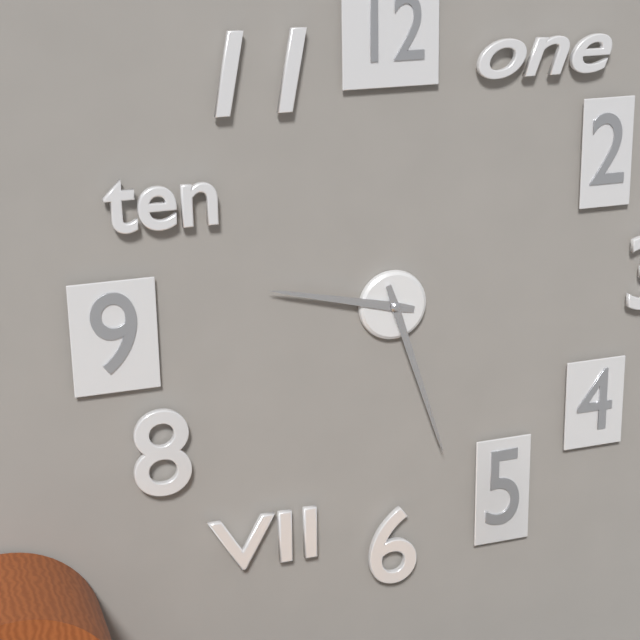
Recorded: h=9 m=27
